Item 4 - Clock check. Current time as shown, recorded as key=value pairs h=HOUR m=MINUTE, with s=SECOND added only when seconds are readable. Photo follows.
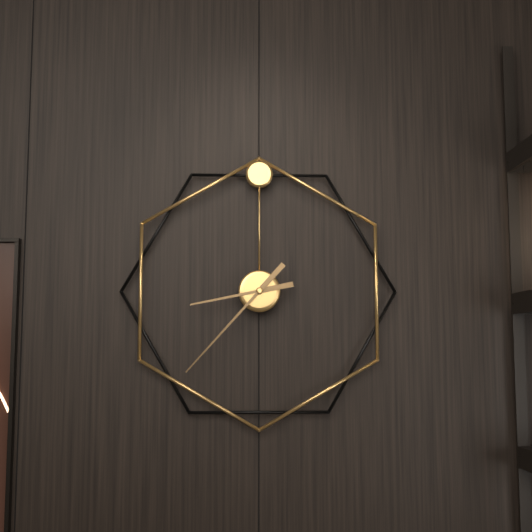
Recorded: h=8 m=37
